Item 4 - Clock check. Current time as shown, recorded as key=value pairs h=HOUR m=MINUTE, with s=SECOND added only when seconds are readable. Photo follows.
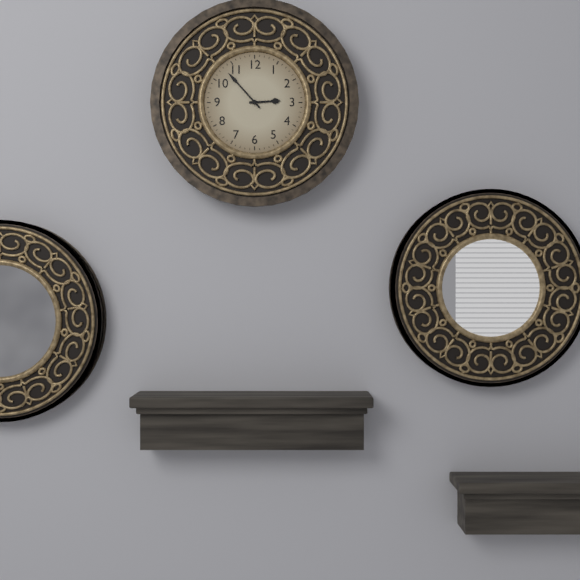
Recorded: h=2 m=53
